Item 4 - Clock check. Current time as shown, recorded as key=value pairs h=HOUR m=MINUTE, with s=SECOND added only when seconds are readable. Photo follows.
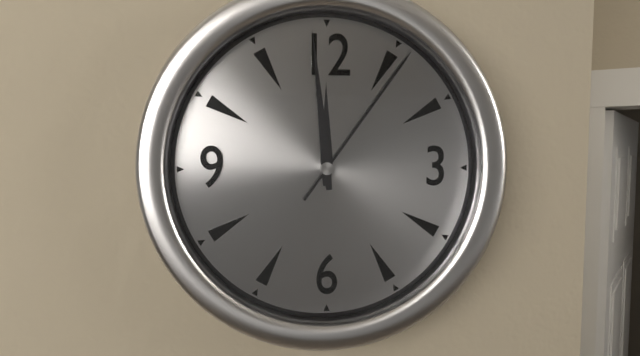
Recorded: h=11 m=59 s=6
